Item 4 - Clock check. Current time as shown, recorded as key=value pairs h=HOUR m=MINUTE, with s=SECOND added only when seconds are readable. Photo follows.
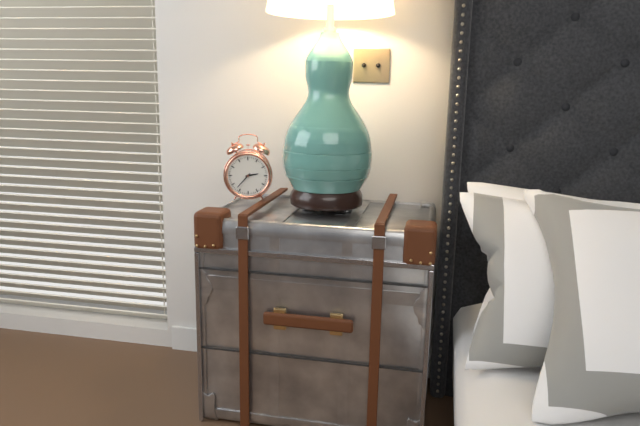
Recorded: h=2 m=37
